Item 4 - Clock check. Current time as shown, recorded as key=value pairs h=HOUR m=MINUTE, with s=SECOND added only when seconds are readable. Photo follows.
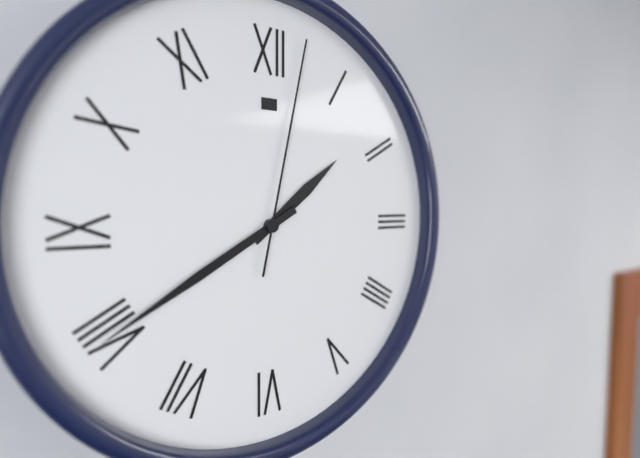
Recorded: h=1 m=40 s=2
